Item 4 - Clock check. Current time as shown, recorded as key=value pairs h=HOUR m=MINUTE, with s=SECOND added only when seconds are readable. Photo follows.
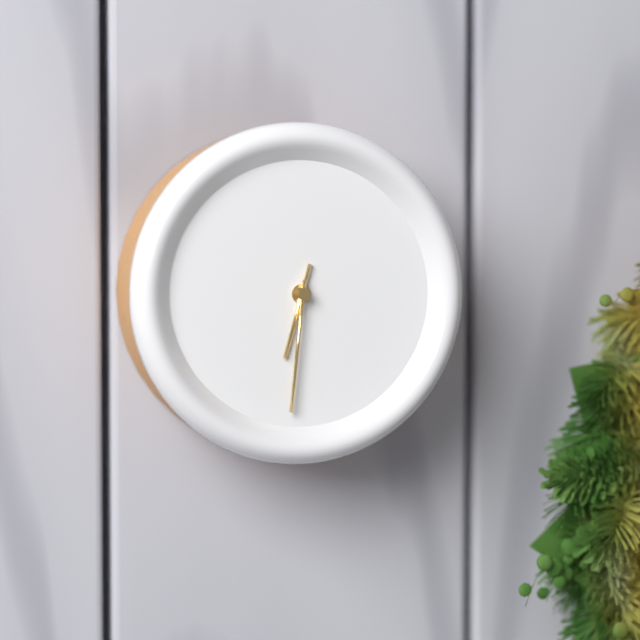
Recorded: h=6 m=31
